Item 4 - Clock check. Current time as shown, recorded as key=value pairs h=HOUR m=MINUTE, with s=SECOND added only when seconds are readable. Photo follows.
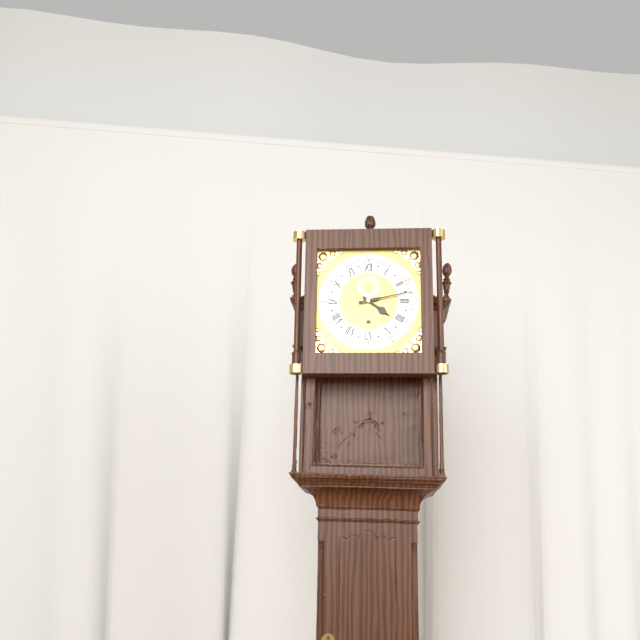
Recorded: h=4 m=13
